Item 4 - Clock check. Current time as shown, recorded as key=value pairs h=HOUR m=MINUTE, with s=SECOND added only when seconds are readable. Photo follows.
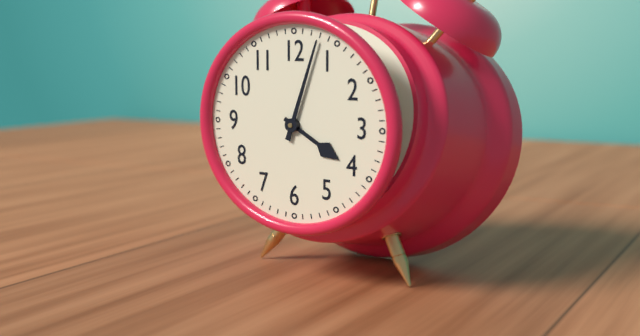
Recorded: h=4 m=3
